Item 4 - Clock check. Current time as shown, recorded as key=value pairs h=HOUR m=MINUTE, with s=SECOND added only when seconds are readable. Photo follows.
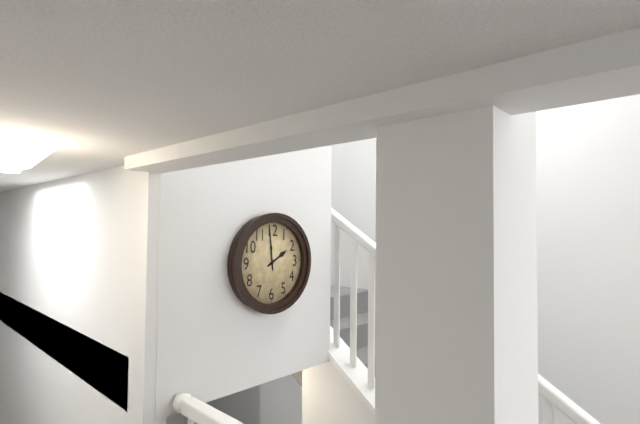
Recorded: h=1 m=59
